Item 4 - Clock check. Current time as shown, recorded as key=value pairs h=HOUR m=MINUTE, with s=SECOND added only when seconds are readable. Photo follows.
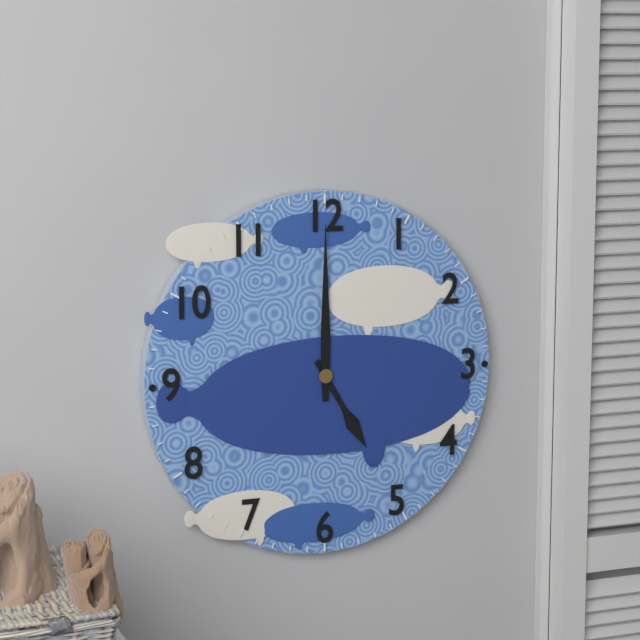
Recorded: h=5 m=0
